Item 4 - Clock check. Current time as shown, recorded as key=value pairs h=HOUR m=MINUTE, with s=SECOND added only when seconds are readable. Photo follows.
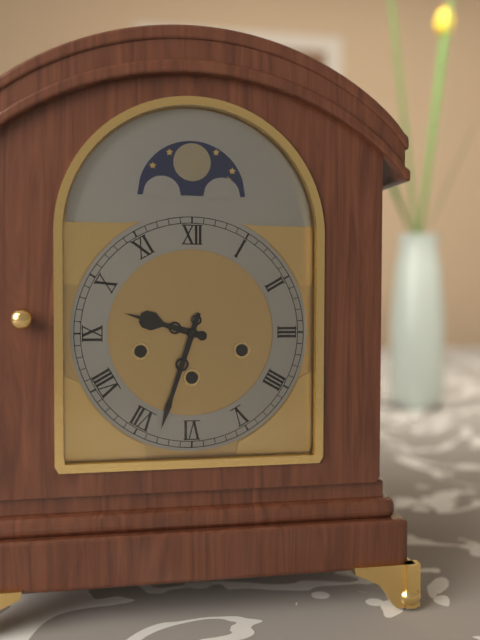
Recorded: h=9 m=33
